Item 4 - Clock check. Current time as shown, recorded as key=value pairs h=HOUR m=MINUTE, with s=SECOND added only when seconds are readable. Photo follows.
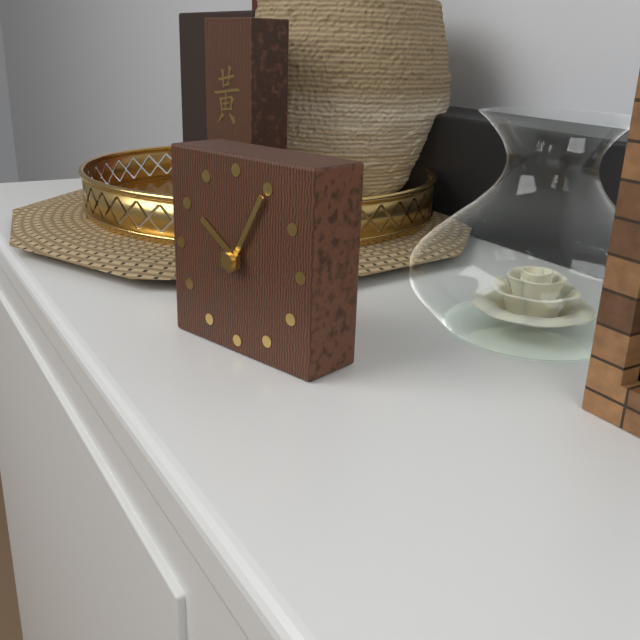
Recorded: h=10 m=5
